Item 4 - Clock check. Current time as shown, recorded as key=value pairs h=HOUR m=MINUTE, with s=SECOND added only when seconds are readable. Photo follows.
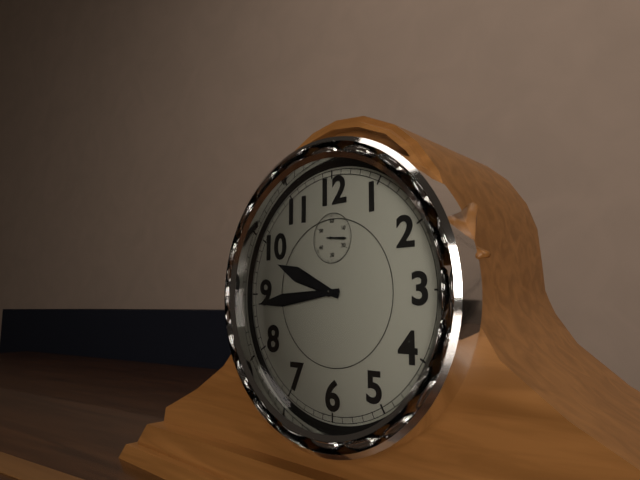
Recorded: h=9 m=44
